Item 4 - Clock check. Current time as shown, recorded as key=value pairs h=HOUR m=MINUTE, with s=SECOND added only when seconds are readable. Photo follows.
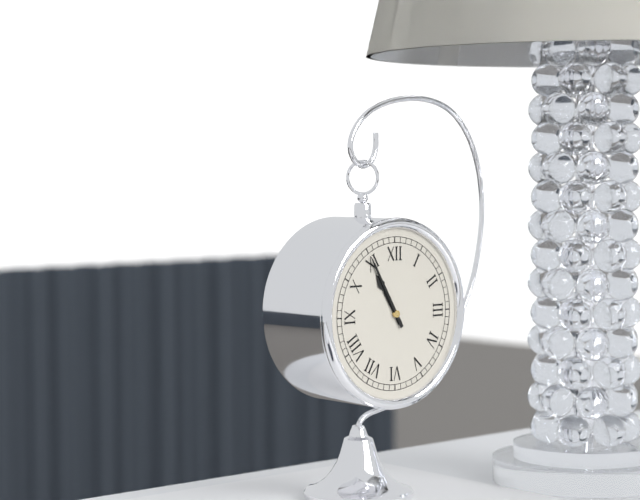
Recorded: h=10 m=55
